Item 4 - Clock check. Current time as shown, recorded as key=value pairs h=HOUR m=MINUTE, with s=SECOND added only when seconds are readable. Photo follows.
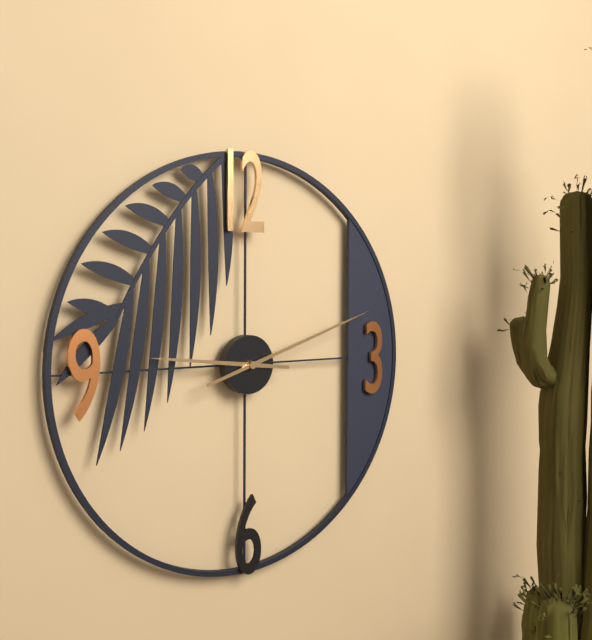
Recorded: h=9 m=12
